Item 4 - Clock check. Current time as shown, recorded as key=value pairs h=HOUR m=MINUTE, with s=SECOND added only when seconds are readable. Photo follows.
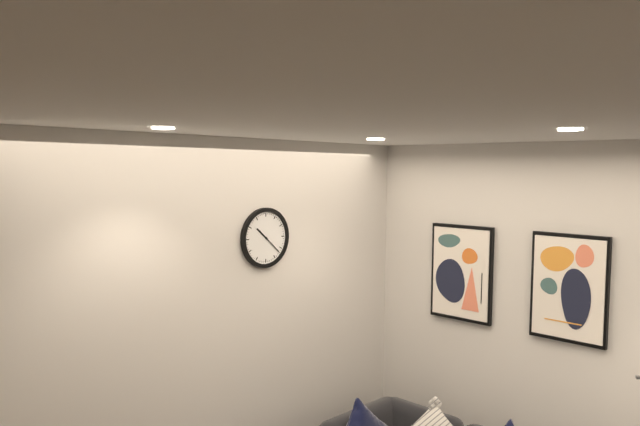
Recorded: h=10 m=22
